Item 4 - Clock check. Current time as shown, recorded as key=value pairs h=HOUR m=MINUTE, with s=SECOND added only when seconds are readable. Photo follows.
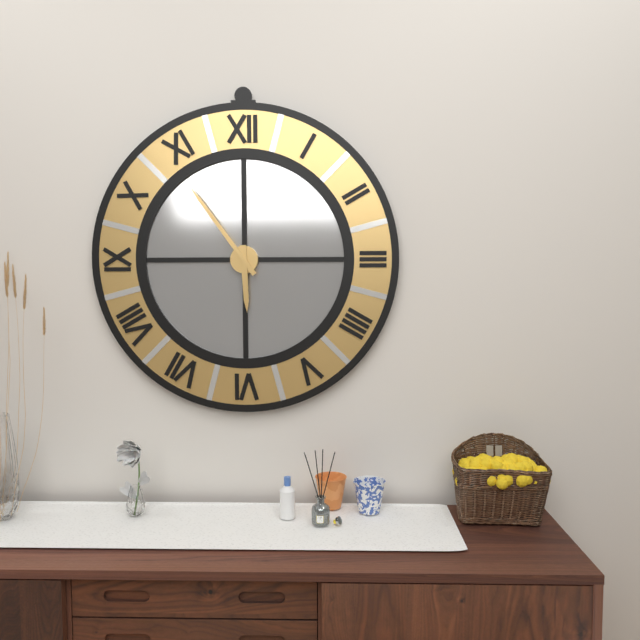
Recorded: h=5 m=54
